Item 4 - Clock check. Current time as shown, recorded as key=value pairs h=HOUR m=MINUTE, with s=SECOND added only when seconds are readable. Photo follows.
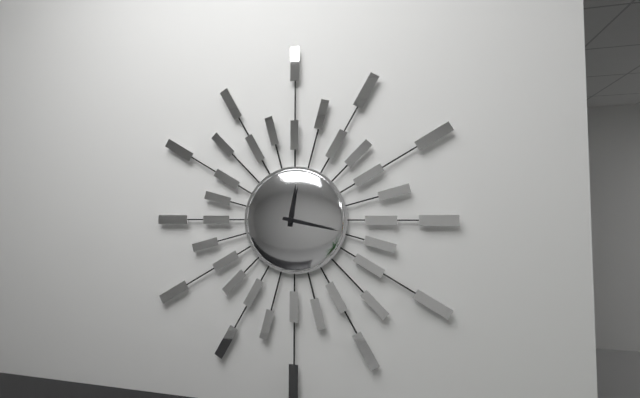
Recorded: h=12 m=17
